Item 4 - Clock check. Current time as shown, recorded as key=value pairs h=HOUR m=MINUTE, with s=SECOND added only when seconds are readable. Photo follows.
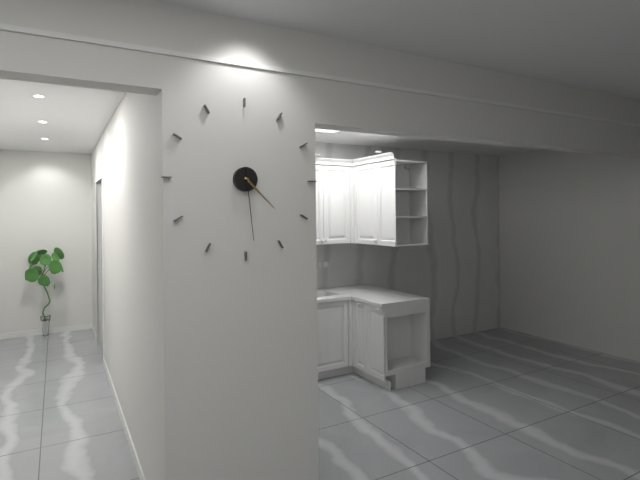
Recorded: h=4 m=29
